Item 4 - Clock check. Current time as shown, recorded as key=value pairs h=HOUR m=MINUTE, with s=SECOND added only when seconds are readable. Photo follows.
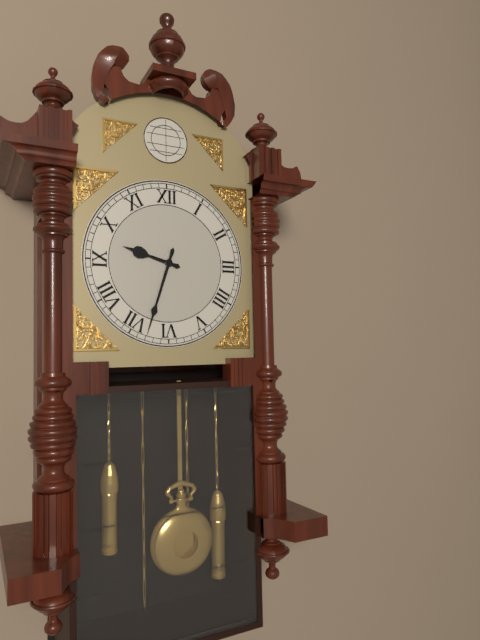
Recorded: h=9 m=33
